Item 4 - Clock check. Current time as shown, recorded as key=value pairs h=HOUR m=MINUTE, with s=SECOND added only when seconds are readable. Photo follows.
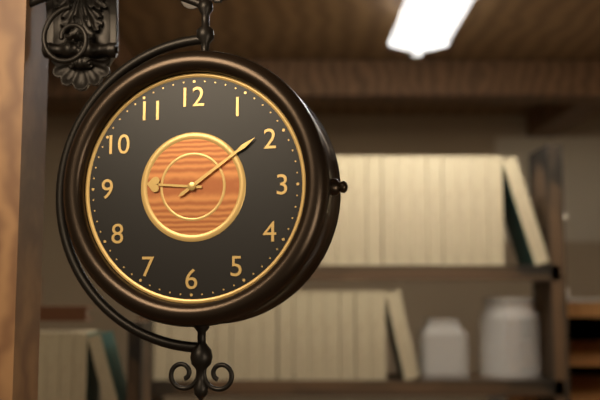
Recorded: h=9 m=9
